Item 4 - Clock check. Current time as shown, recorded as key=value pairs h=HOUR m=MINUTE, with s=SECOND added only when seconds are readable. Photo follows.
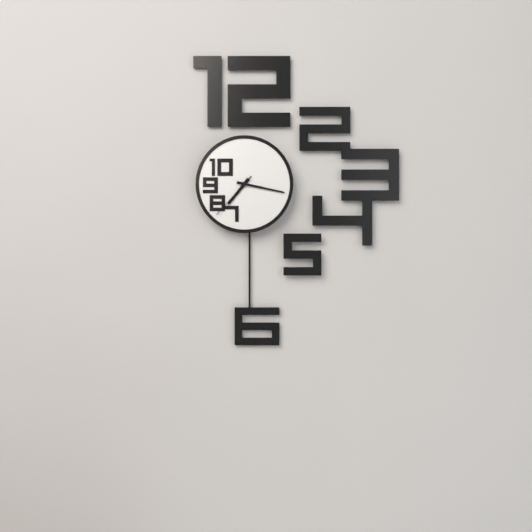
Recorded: h=7 m=17 s=37
